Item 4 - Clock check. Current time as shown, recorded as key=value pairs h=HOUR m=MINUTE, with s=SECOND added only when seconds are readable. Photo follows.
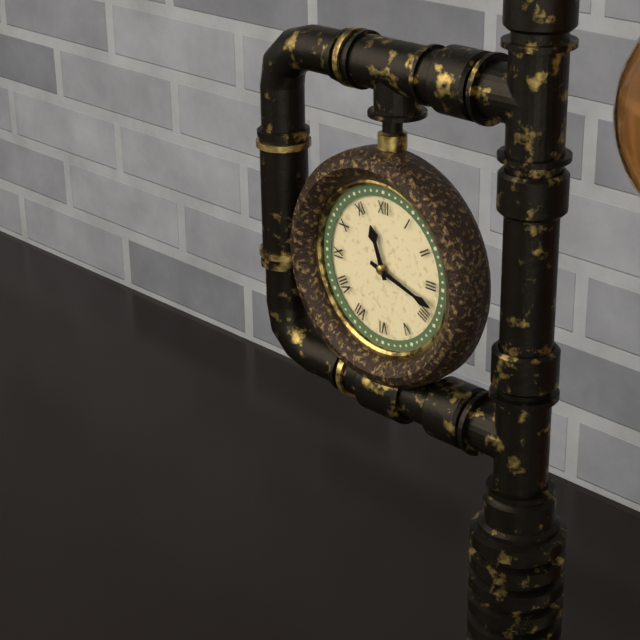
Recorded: h=11 m=18
